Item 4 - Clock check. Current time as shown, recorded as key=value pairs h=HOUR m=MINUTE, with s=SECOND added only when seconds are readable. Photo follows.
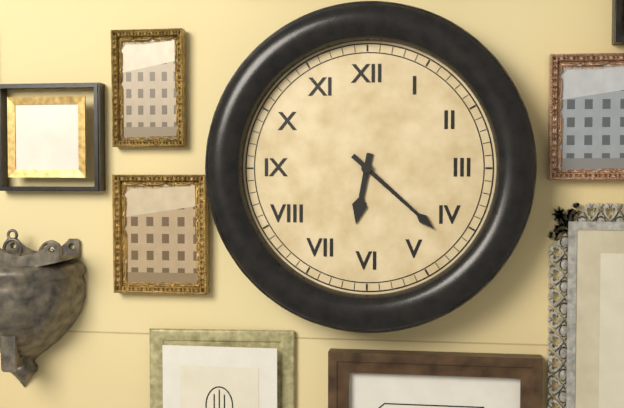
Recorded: h=6 m=22
